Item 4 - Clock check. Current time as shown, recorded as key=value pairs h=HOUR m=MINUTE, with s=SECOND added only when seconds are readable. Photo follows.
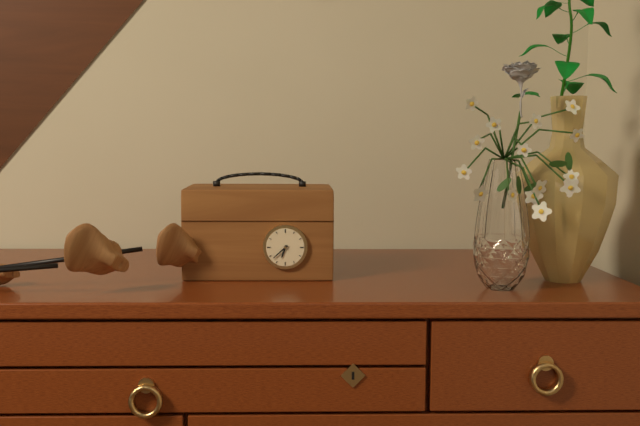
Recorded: h=6 m=38
